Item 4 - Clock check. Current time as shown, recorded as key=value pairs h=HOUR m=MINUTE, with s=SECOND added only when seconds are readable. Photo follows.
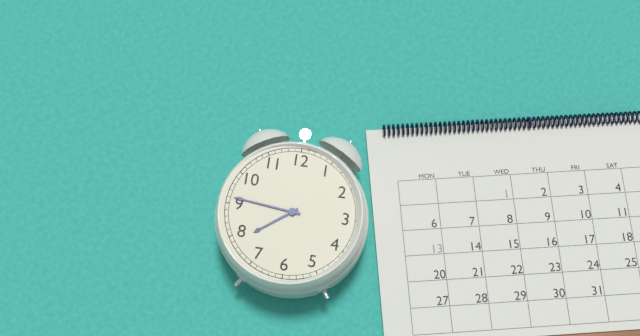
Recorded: h=7 m=46
